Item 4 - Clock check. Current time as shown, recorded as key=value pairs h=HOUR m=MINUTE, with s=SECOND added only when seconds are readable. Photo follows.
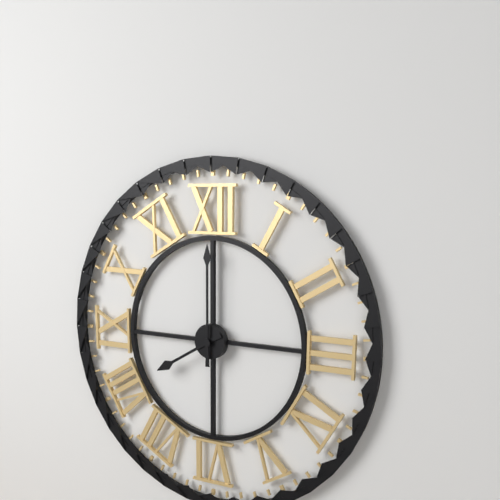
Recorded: h=8 m=0
